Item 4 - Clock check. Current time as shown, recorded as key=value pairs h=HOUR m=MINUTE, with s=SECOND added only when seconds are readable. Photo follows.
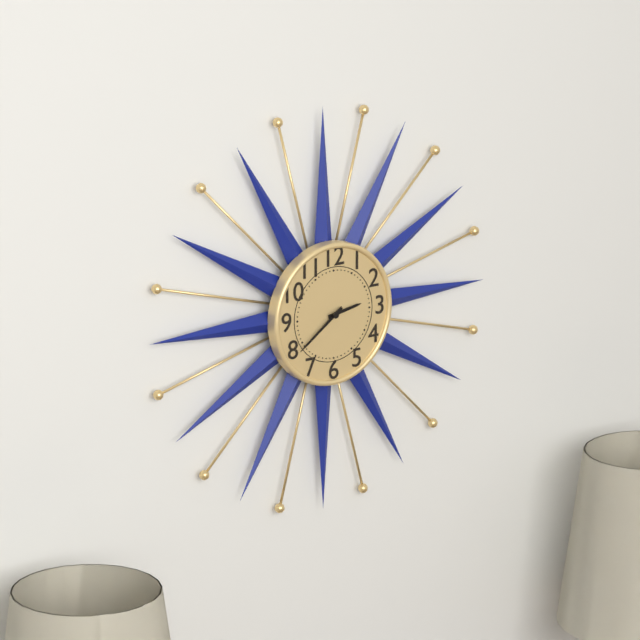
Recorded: h=2 m=39
